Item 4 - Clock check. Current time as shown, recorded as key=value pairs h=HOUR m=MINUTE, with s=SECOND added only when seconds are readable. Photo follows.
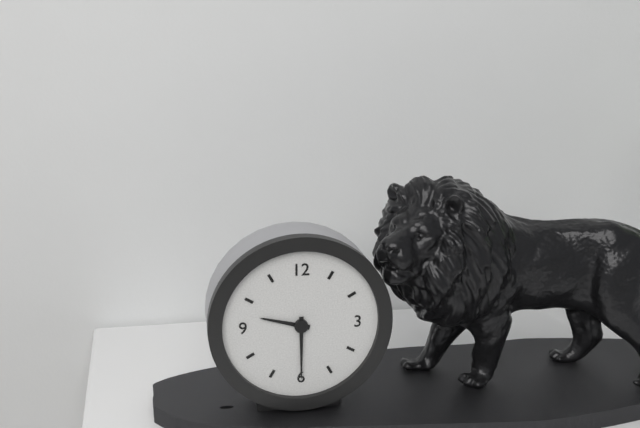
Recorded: h=9 m=30
